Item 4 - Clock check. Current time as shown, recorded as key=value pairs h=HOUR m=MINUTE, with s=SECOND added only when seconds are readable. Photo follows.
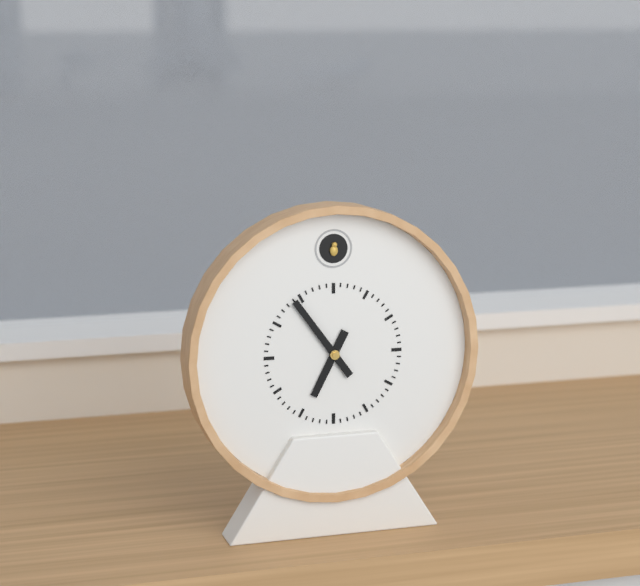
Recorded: h=6 m=54
